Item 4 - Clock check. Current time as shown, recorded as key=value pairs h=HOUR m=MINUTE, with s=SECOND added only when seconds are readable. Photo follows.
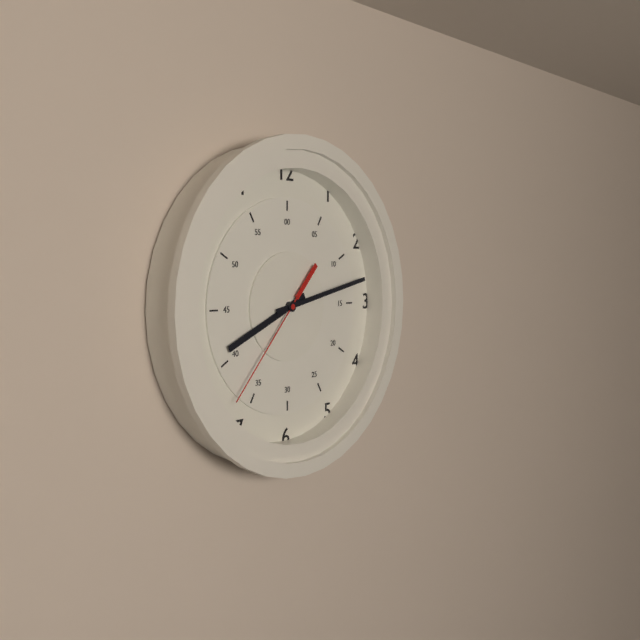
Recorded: h=8 m=13 s=37
